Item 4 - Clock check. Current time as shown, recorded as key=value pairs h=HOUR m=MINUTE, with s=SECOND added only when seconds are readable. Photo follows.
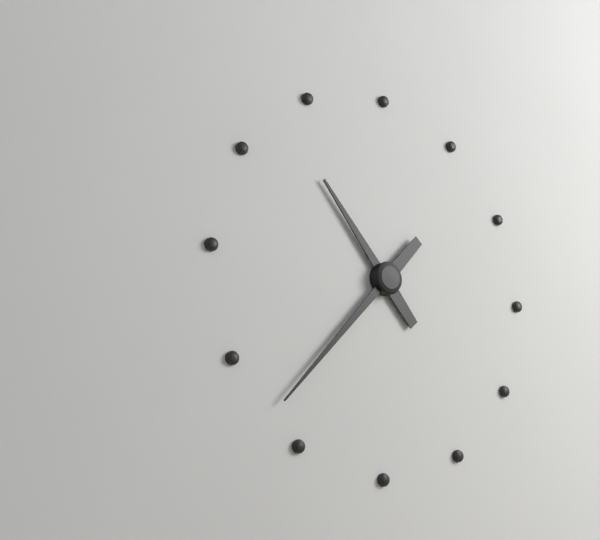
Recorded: h=10 m=37
